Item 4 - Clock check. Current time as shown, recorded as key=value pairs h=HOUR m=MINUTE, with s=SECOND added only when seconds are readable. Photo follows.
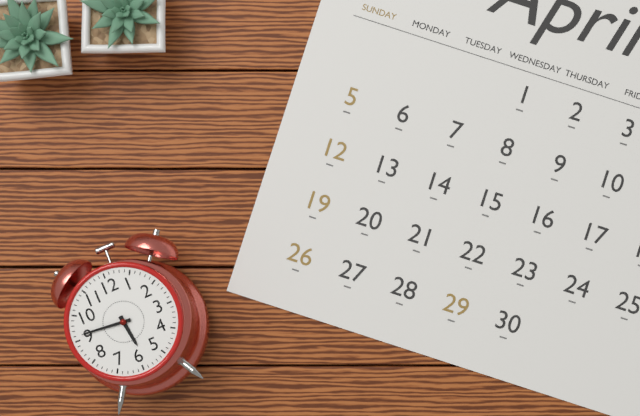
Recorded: h=5 m=46
